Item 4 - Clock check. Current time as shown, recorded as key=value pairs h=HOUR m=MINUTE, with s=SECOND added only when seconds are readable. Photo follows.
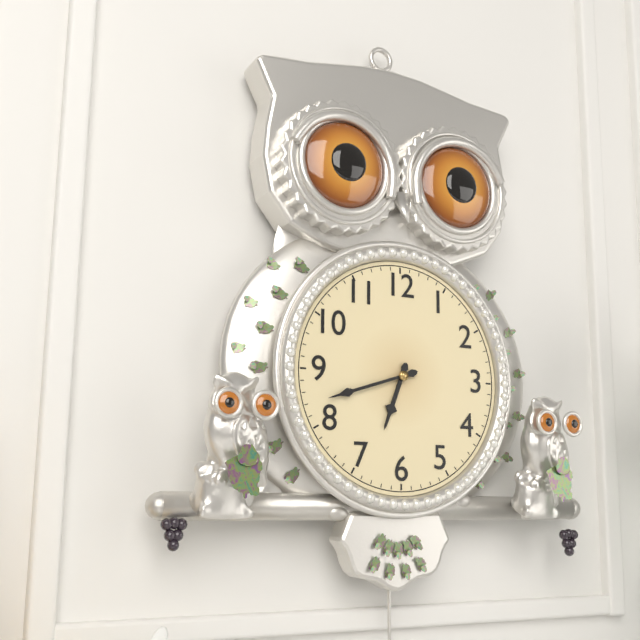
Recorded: h=6 m=42
